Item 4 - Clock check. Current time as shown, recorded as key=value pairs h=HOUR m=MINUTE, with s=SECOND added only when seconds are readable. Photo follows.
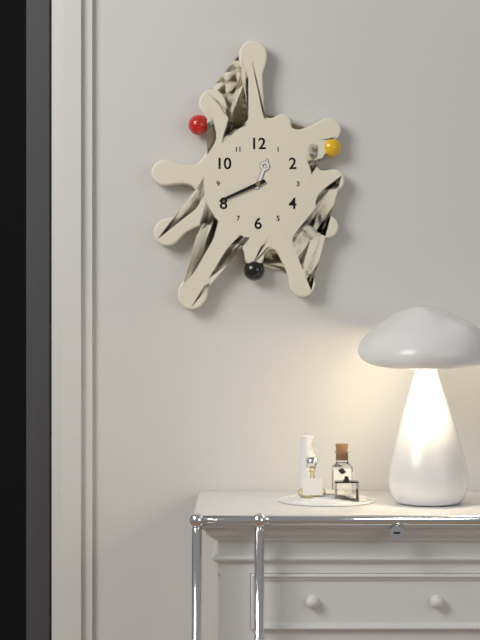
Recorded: h=12 m=41
